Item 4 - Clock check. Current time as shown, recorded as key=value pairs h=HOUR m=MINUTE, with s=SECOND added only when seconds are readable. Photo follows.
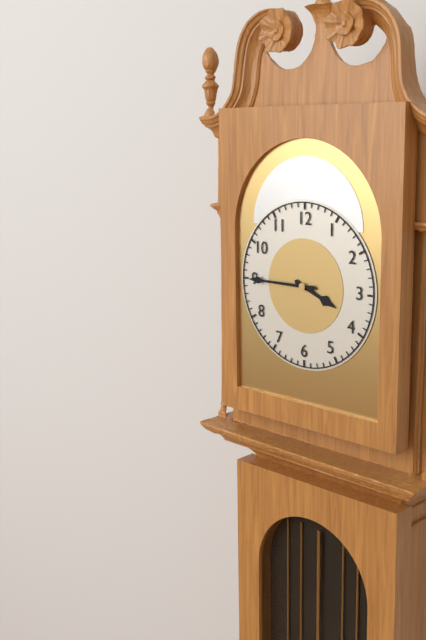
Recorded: h=3 m=45
